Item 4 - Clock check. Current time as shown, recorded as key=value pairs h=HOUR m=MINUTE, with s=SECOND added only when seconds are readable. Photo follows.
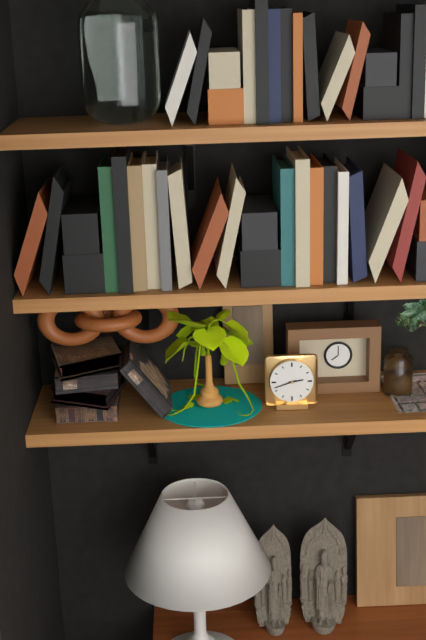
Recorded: h=2 m=42
